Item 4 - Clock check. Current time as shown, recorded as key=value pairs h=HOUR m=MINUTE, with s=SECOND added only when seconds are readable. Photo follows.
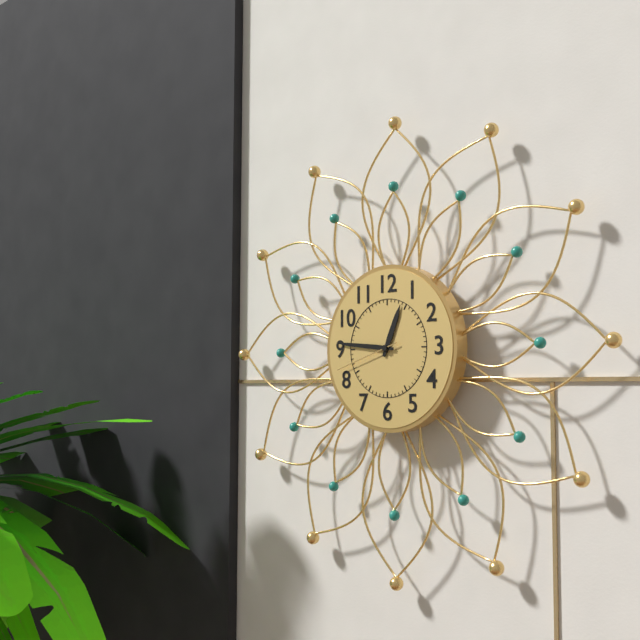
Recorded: h=12 m=46 s=42
